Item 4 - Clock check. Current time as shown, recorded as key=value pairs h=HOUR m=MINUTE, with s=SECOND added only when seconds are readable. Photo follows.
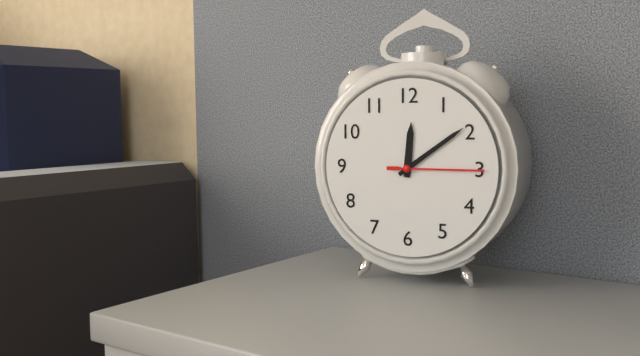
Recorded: h=12 m=9 s=15
